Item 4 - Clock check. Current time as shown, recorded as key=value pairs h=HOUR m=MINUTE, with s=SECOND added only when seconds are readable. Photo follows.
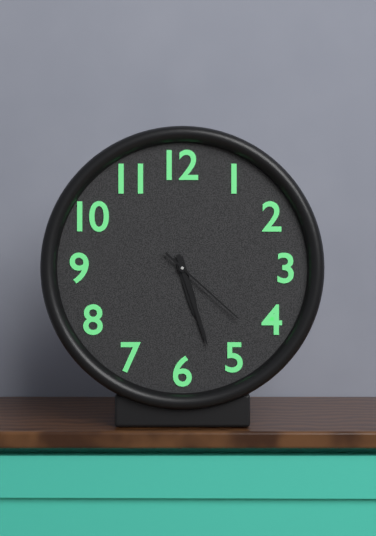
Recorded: h=5 m=27 s=22
